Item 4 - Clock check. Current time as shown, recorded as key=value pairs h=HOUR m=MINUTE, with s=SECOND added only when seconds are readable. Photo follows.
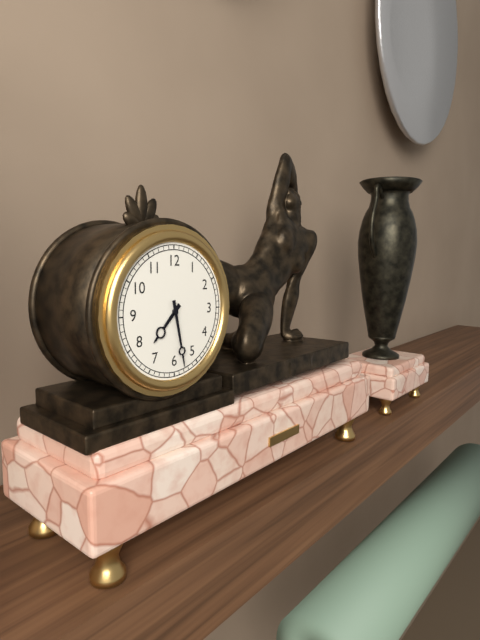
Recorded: h=7 m=28
